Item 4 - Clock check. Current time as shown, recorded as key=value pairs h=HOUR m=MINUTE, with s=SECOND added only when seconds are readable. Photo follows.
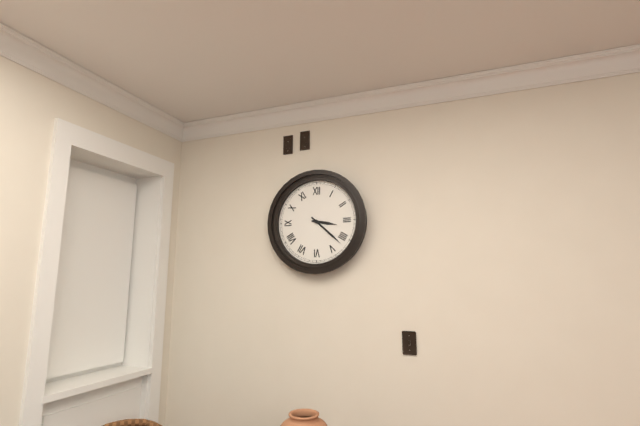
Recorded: h=3 m=22
